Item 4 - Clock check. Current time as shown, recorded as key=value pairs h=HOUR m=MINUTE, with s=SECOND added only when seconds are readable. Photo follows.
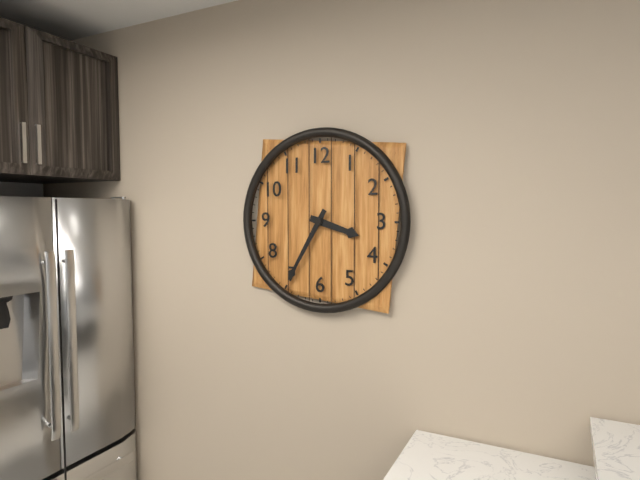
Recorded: h=3 m=35
